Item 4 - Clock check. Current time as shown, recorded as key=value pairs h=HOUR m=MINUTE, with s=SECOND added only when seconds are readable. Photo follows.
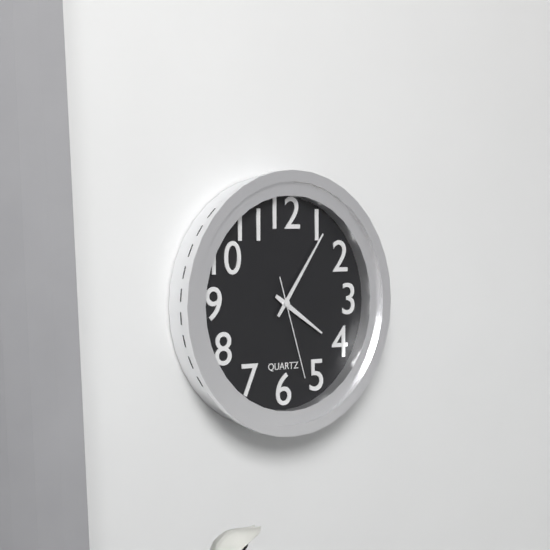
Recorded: h=4 m=6 s=27
